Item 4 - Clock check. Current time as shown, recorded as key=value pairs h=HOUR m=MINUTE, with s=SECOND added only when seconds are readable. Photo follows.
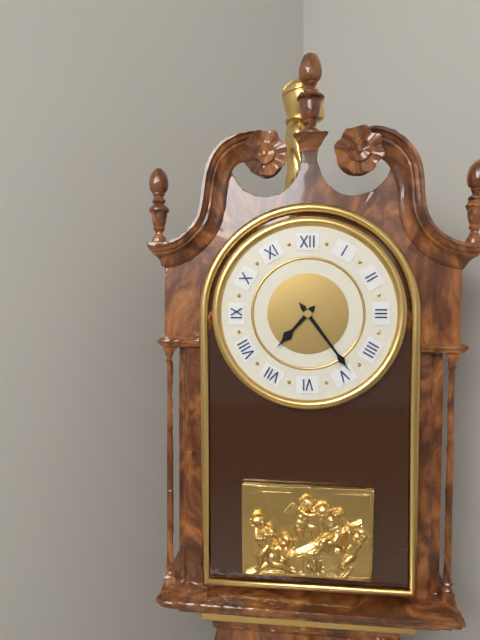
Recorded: h=7 m=24
